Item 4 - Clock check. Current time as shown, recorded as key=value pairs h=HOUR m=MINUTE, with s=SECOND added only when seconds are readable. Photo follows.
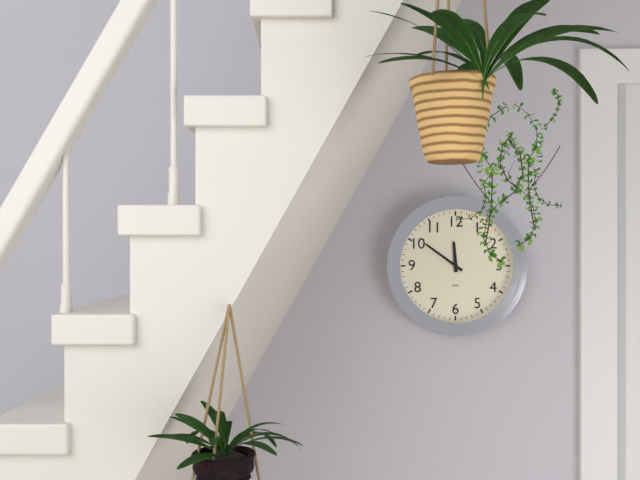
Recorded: h=11 m=51
